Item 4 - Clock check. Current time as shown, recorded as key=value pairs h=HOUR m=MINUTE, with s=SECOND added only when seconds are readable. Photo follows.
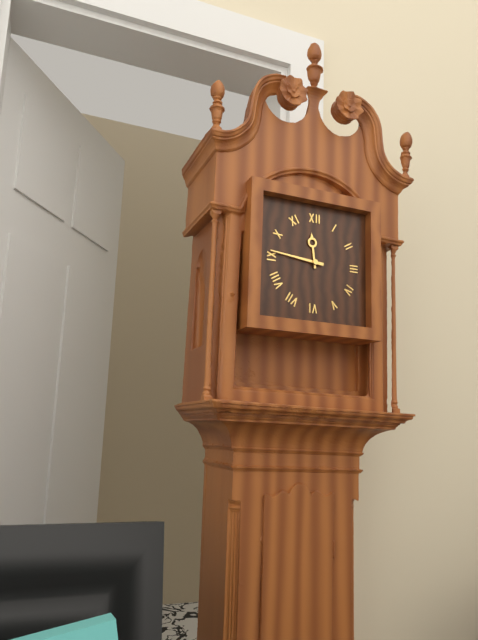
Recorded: h=11 m=46
